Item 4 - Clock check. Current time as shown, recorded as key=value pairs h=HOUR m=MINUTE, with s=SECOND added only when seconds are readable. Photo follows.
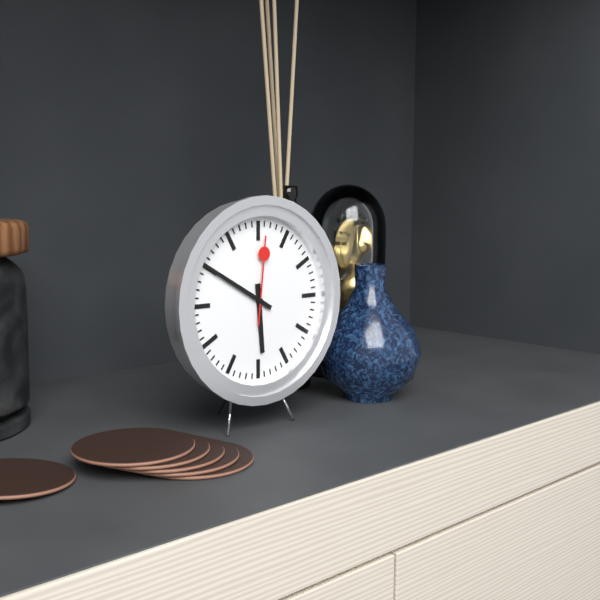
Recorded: h=5 m=50 s=1
